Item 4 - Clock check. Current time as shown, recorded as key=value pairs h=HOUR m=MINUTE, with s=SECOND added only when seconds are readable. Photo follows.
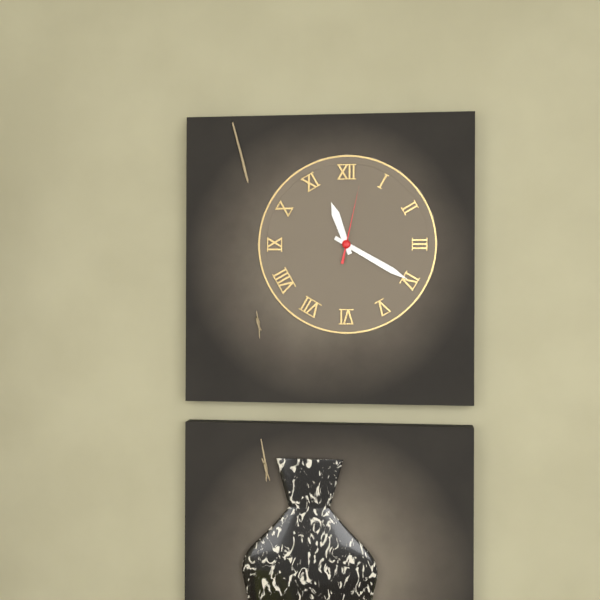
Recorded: h=11 m=20 s=2
